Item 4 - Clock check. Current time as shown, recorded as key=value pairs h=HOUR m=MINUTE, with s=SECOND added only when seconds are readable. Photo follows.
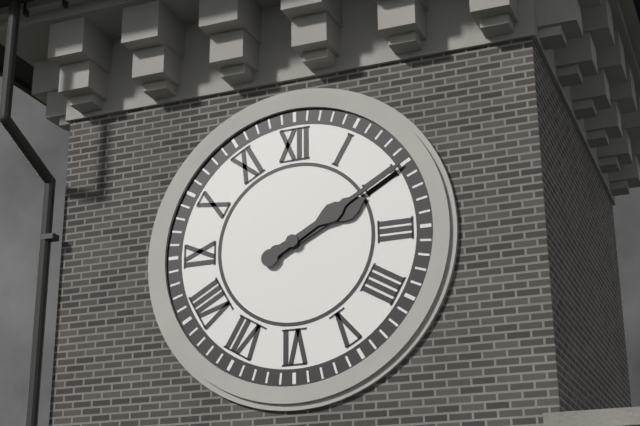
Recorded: h=2 m=10
